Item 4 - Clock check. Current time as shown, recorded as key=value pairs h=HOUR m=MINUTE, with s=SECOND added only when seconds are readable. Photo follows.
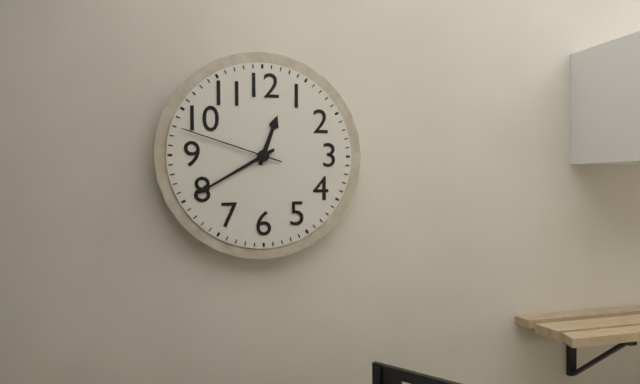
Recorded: h=12 m=40 s=48
